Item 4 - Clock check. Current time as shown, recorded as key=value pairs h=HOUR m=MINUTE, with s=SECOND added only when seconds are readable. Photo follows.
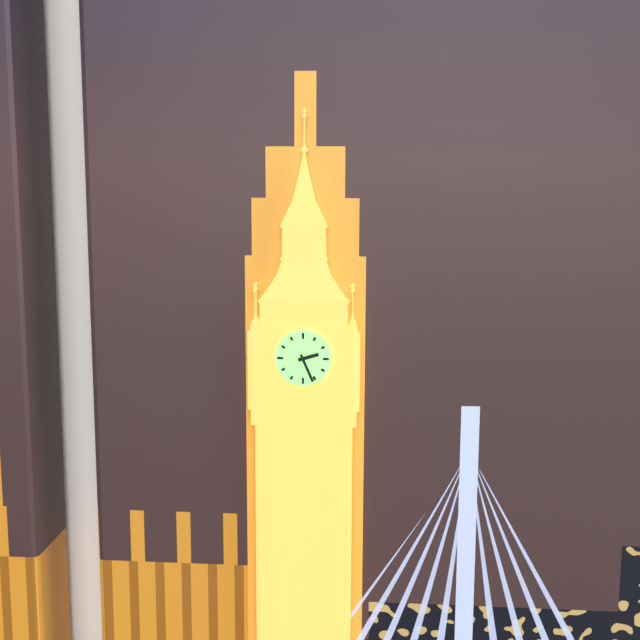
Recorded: h=2 m=26
